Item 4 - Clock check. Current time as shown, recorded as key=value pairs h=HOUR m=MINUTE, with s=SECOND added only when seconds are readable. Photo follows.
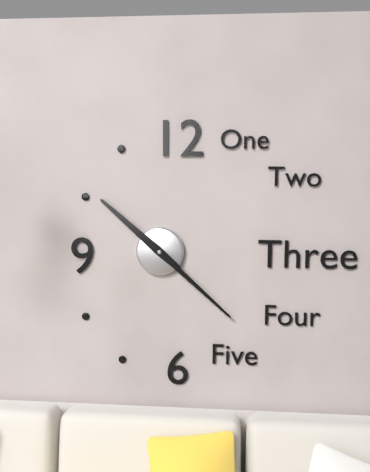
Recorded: h=10 m=22
